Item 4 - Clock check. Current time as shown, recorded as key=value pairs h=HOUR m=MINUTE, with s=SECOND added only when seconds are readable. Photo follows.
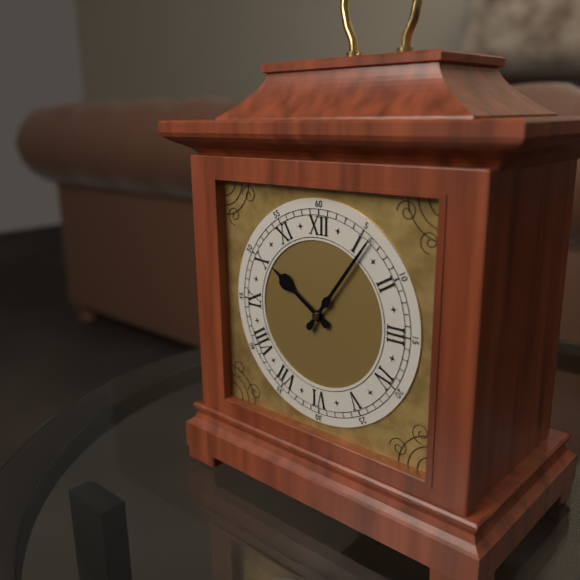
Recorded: h=10 m=6
